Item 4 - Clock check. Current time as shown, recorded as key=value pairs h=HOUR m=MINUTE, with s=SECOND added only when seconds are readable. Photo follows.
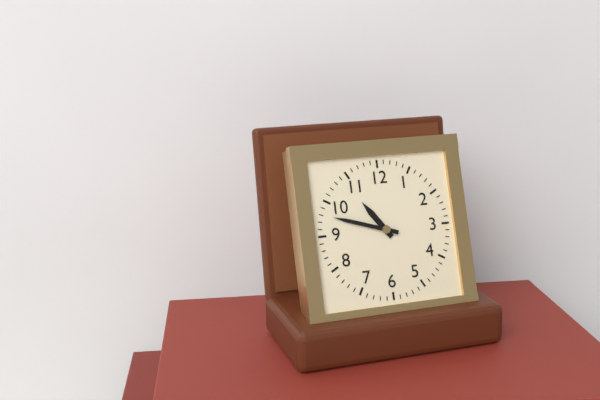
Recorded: h=10 m=48
